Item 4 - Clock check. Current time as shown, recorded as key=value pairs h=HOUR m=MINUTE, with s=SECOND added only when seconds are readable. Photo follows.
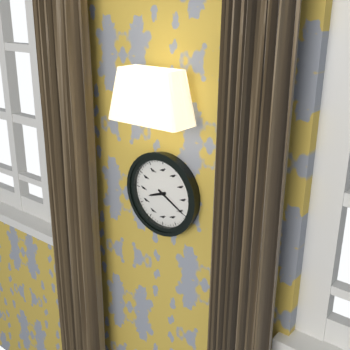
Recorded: h=8 m=20
